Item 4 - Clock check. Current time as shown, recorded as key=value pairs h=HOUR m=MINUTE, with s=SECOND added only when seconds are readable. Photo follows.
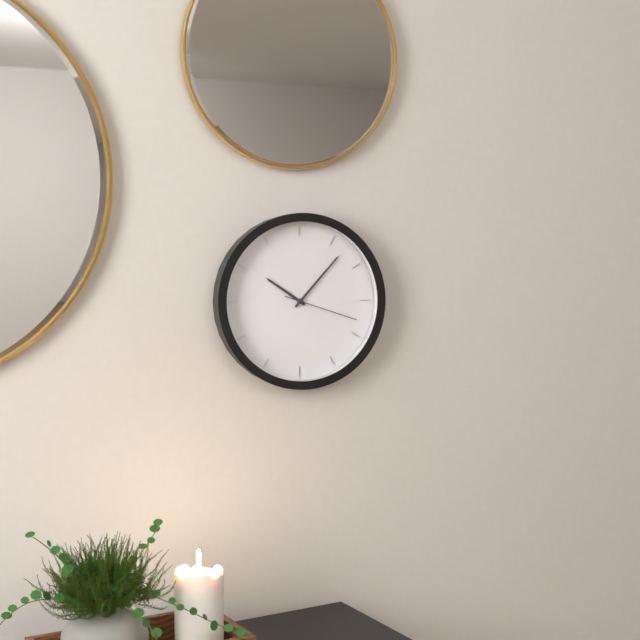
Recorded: h=10 m=7 s=18
